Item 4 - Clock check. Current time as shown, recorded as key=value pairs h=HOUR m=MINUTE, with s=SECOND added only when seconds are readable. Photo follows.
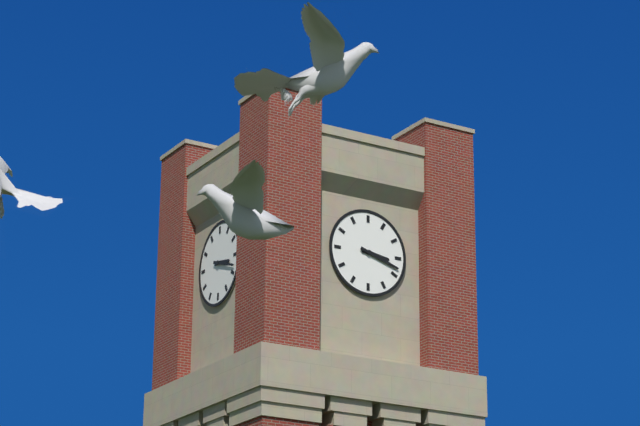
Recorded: h=3 m=18
